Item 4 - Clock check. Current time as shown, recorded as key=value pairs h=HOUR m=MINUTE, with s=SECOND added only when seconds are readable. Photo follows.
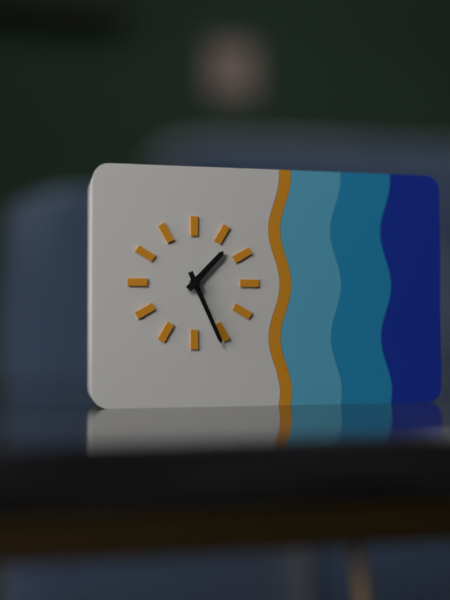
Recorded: h=1 m=26
